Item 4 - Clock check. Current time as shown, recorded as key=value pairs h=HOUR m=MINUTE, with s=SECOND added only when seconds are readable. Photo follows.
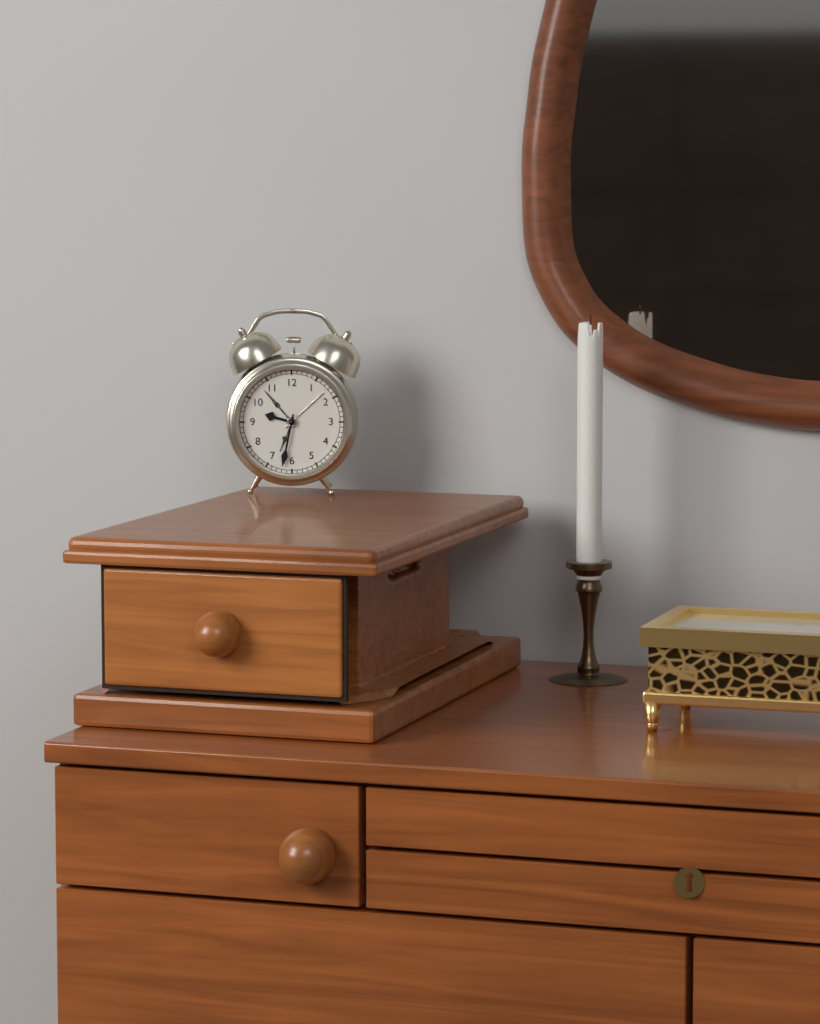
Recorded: h=9 m=32
